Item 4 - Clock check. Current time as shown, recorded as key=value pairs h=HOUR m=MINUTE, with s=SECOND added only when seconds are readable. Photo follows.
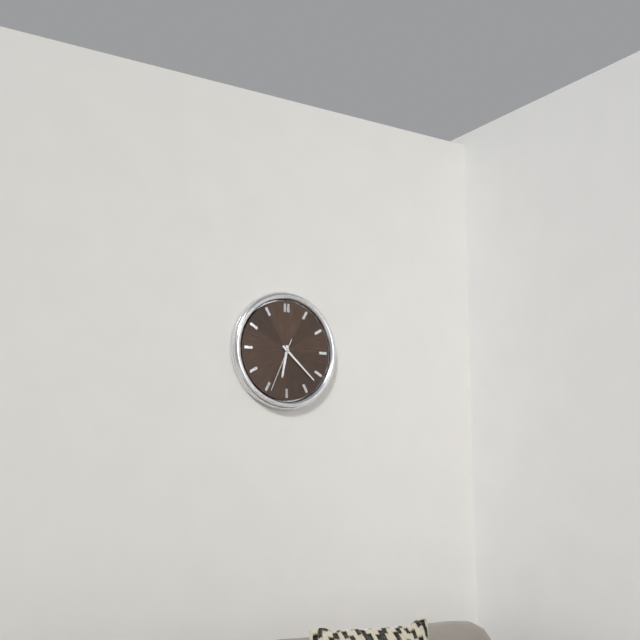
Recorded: h=6 m=22 s=34
